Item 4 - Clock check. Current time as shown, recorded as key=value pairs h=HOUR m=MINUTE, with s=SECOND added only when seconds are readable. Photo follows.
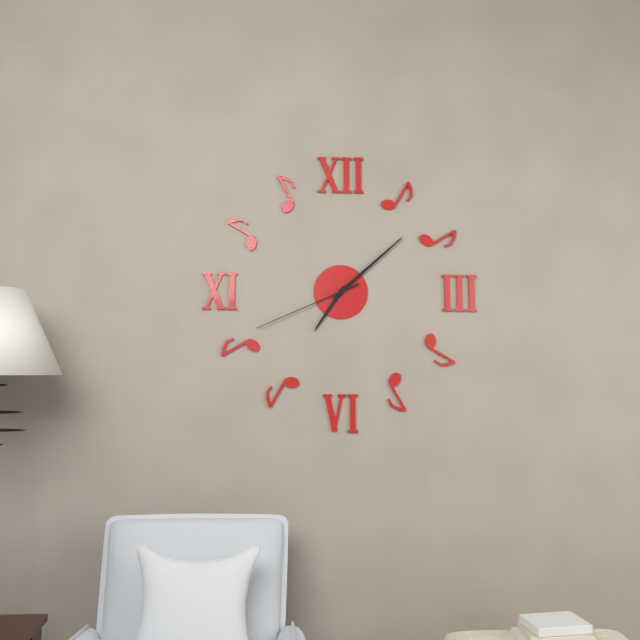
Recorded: h=7 m=8 s=41
